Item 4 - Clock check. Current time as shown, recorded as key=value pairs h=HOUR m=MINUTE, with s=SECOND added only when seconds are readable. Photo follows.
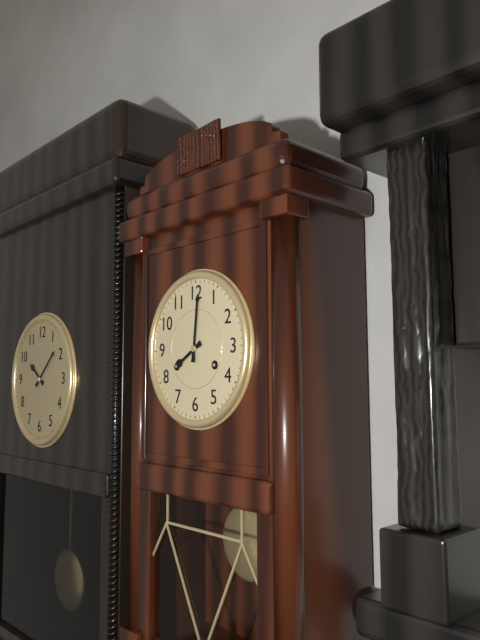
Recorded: h=8 m=1
